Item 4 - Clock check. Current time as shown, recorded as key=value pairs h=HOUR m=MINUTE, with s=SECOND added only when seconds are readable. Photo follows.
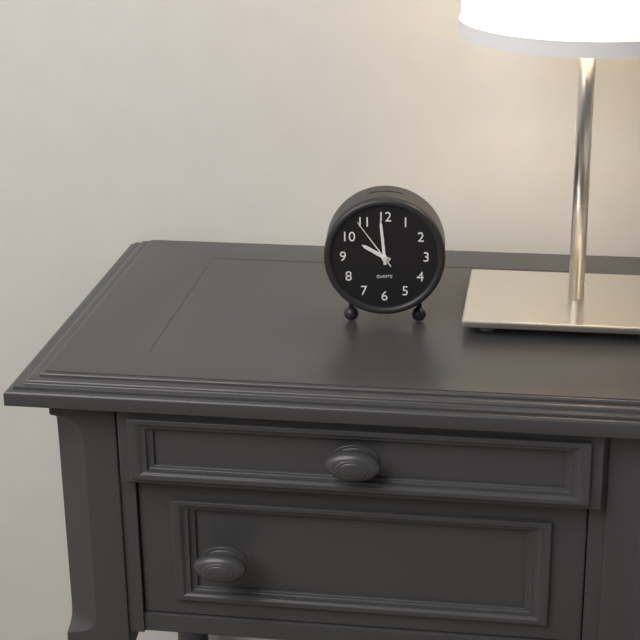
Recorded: h=9 m=59 s=54
